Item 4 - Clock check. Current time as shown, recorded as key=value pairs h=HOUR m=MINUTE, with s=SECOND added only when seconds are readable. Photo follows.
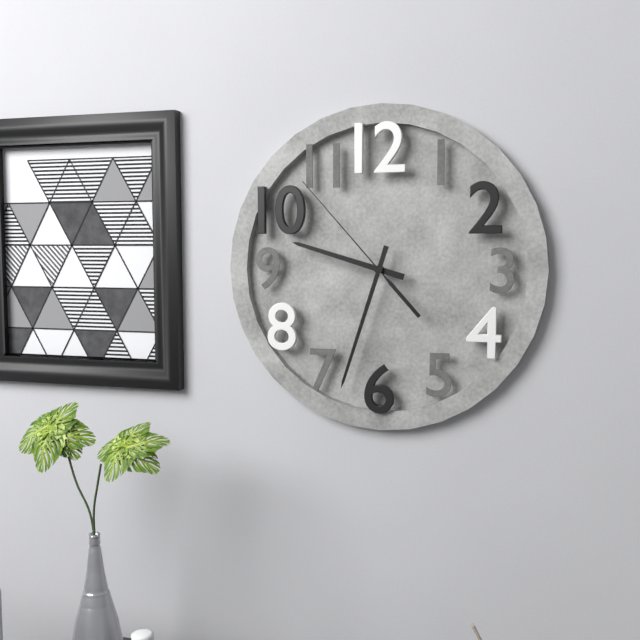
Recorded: h=9 m=33 s=53
